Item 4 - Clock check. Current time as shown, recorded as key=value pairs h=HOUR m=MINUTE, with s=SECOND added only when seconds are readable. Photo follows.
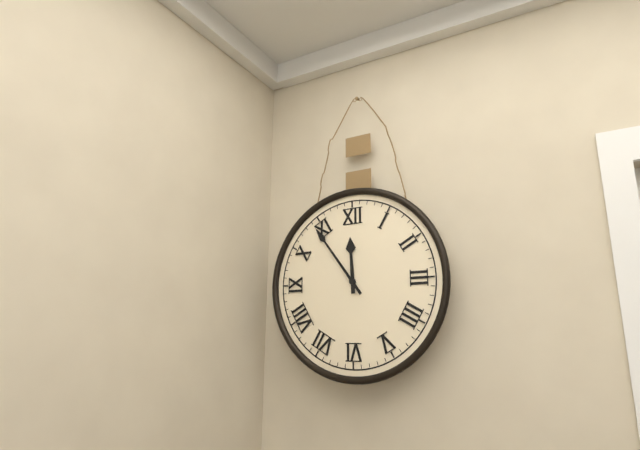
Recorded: h=11 m=54
